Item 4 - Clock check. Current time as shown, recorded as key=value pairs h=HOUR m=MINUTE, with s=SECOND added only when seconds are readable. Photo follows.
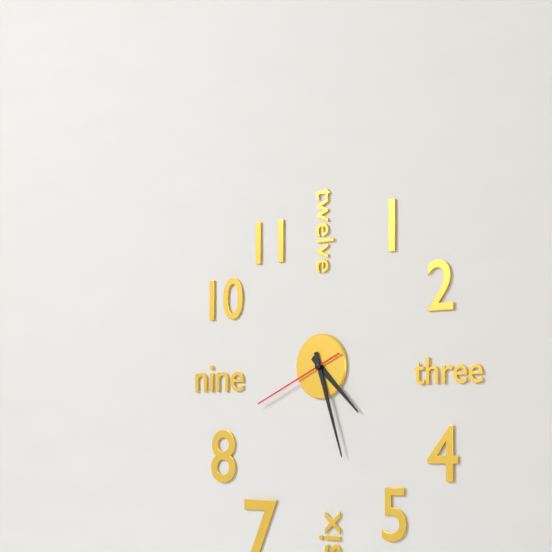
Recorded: h=4 m=27 s=41
